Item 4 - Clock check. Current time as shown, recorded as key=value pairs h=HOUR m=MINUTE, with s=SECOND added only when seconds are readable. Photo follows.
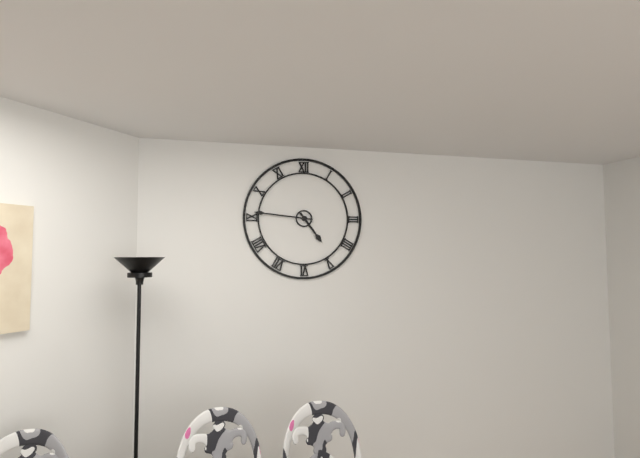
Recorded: h=4 m=46
